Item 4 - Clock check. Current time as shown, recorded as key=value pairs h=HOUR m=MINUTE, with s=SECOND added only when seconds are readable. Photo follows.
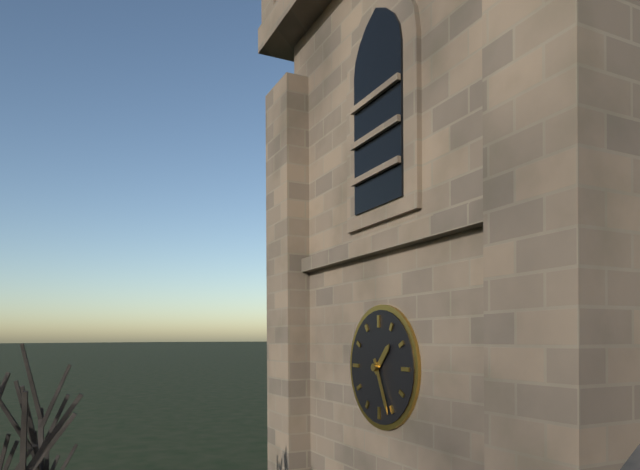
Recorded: h=1 m=26
